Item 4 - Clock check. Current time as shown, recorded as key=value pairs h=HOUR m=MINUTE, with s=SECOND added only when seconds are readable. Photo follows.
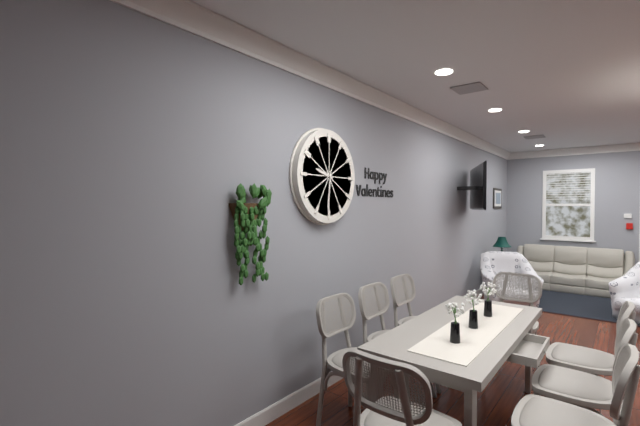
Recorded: h=9 m=31
